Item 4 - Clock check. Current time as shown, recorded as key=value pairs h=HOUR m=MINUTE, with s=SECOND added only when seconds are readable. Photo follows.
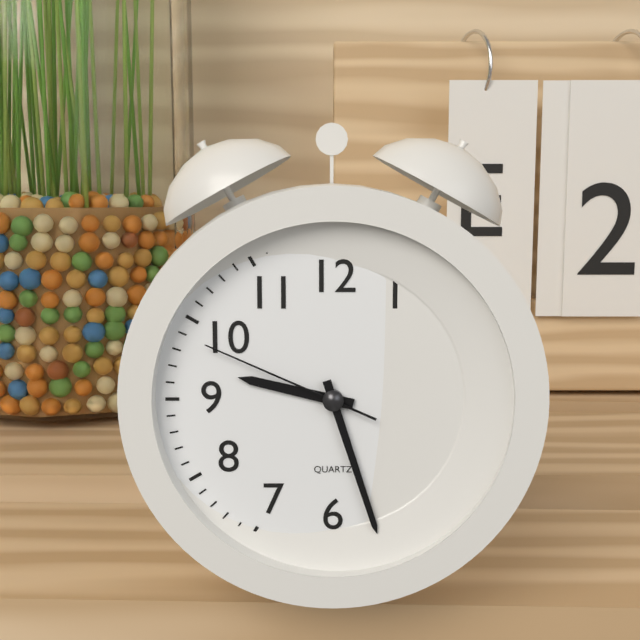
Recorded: h=9 m=27 s=49
